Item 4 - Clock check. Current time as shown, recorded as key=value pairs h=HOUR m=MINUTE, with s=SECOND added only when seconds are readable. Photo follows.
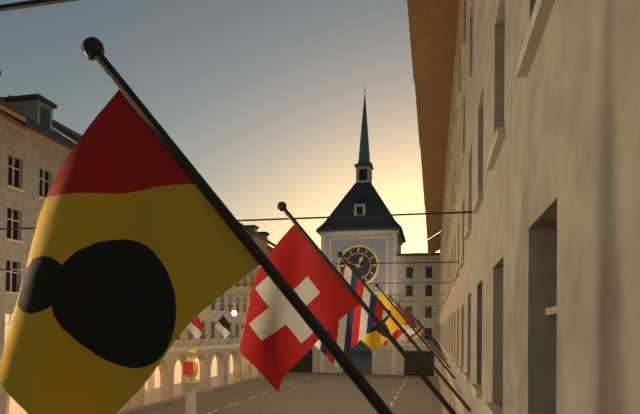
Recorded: h=12 m=48
